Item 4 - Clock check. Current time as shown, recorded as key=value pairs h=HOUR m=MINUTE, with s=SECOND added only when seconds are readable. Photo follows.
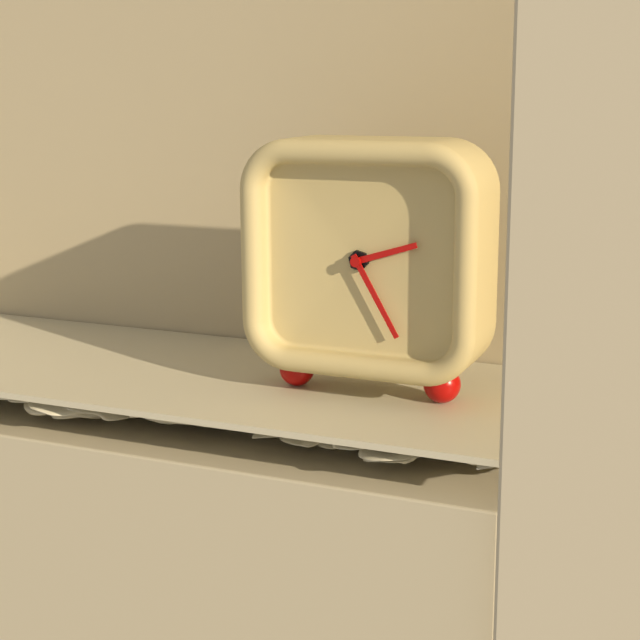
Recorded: h=2 m=25
